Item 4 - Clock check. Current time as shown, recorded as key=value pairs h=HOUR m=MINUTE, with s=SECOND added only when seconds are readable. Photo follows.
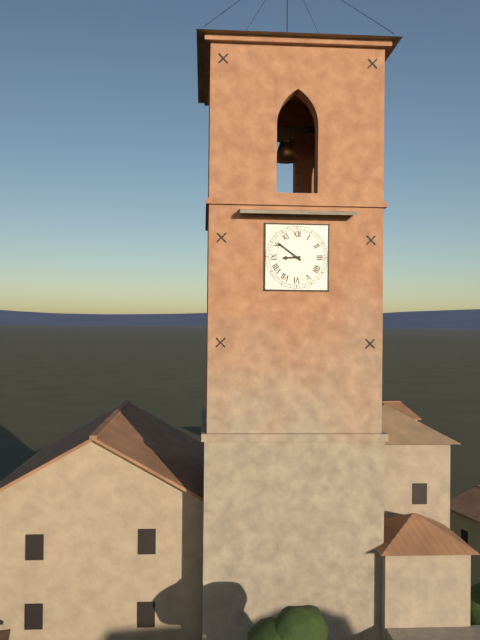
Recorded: h=8 m=51
